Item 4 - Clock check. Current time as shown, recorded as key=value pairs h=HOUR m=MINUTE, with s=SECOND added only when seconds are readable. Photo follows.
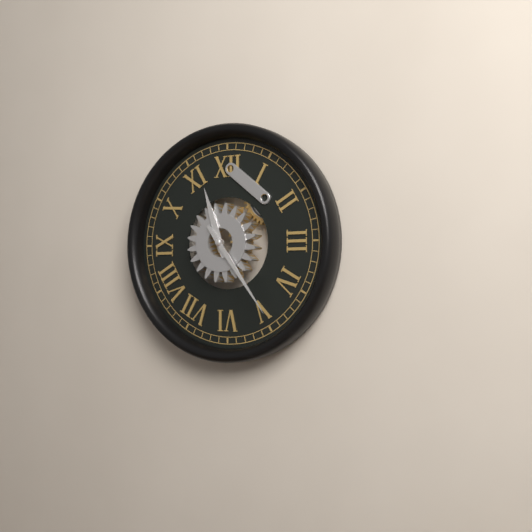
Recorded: h=11 m=24
